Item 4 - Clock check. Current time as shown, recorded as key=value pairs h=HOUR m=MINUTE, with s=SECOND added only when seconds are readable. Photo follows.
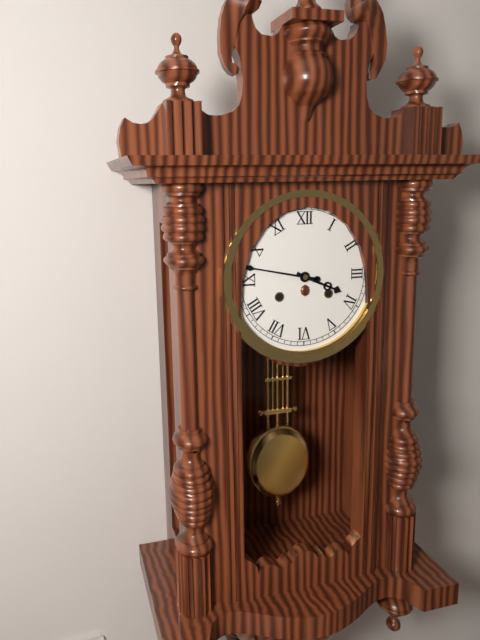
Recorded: h=3 m=47
